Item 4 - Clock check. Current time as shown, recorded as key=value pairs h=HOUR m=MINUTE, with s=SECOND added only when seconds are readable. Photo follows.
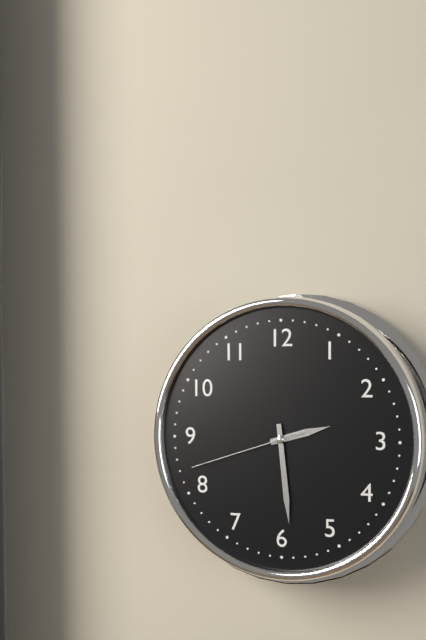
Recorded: h=2 m=29 s=42
